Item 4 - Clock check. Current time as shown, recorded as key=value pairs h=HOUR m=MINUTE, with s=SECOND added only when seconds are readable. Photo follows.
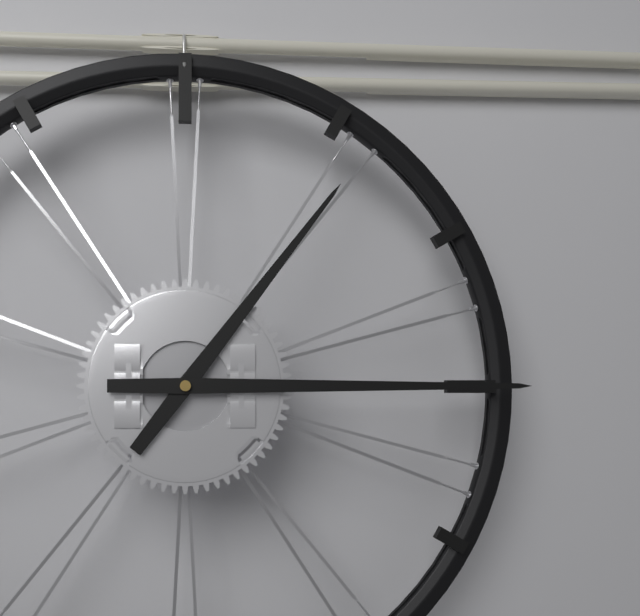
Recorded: h=1 m=15
